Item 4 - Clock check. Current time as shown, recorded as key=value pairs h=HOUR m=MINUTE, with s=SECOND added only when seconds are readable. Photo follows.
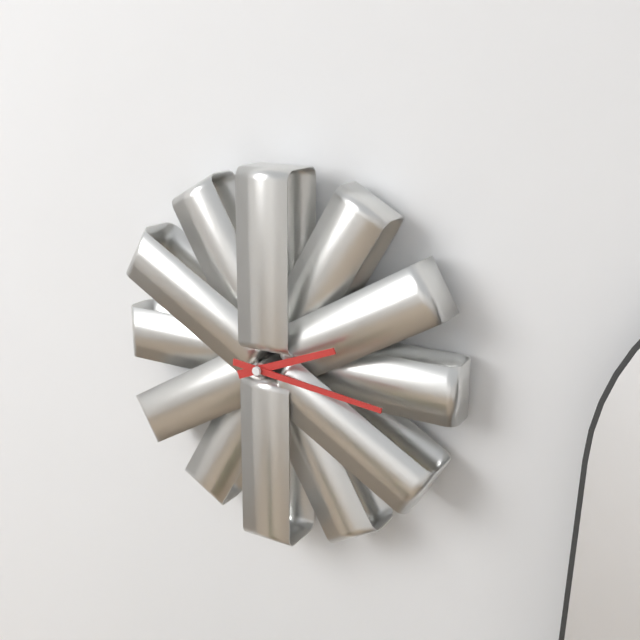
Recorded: h=2 m=16
